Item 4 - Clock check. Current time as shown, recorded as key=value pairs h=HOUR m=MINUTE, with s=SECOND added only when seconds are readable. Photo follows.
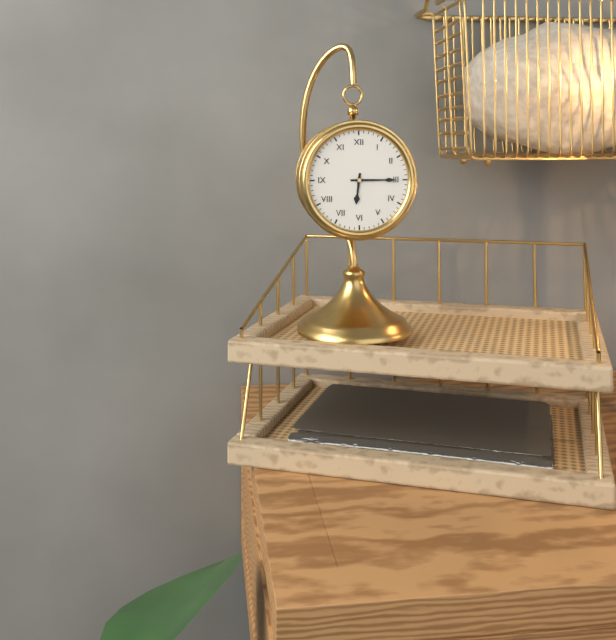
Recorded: h=6 m=15
